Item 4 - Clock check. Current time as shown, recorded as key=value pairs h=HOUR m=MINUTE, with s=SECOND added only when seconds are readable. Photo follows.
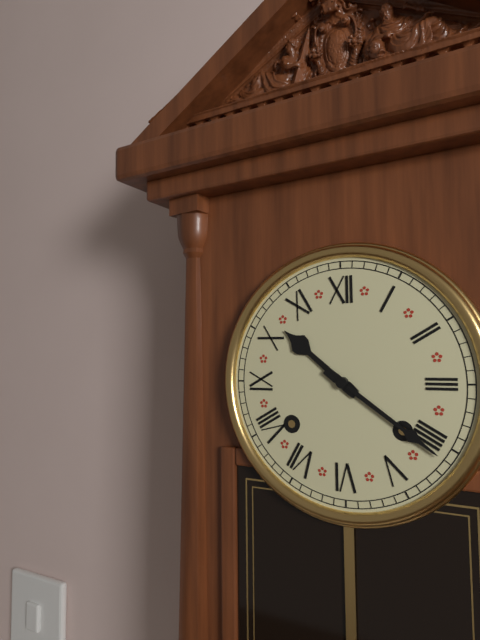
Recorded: h=10 m=21
